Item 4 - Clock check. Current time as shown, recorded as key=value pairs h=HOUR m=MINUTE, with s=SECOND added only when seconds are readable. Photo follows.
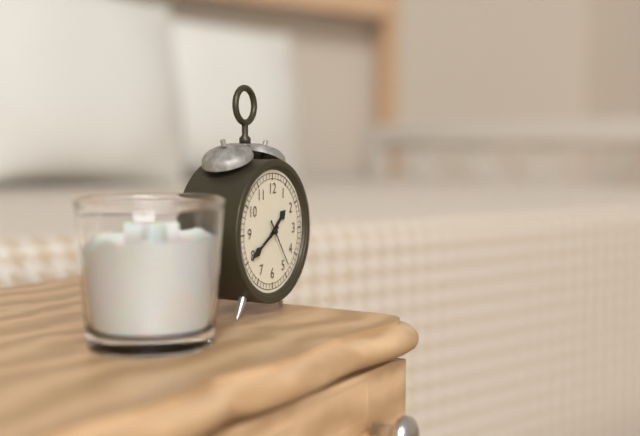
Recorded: h=1 m=40
